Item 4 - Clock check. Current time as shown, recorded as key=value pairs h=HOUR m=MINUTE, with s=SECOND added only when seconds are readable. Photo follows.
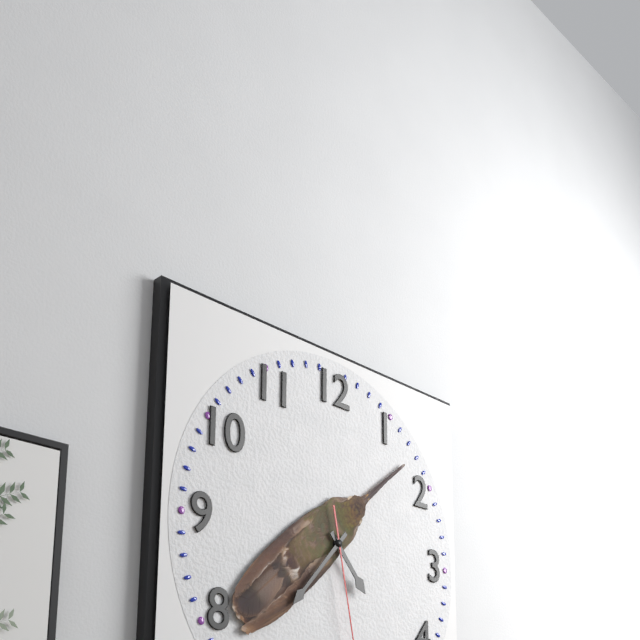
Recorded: h=4 m=37
